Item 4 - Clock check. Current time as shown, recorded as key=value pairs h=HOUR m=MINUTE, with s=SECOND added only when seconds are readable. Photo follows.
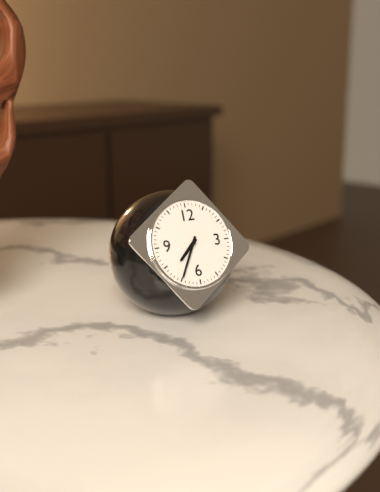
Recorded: h=7 m=35
